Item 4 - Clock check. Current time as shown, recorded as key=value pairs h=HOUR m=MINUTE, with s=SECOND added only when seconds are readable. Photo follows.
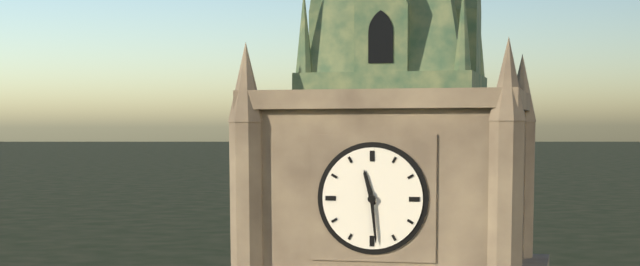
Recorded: h=11 m=29
